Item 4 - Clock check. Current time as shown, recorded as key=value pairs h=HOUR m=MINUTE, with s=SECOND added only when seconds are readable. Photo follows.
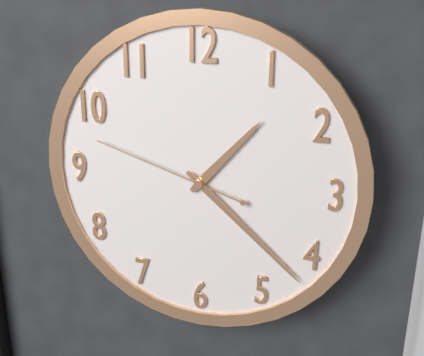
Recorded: h=1 m=22 s=48
